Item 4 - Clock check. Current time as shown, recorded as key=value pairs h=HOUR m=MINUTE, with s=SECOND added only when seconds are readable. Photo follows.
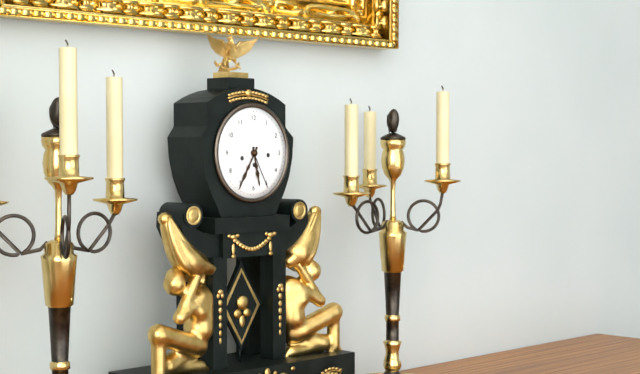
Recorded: h=5 m=35
